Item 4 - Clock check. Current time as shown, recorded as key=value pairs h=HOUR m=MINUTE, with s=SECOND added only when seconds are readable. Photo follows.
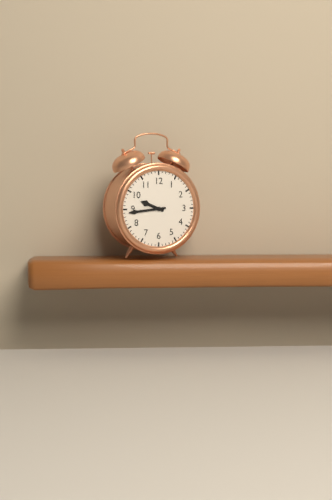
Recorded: h=9 m=44
